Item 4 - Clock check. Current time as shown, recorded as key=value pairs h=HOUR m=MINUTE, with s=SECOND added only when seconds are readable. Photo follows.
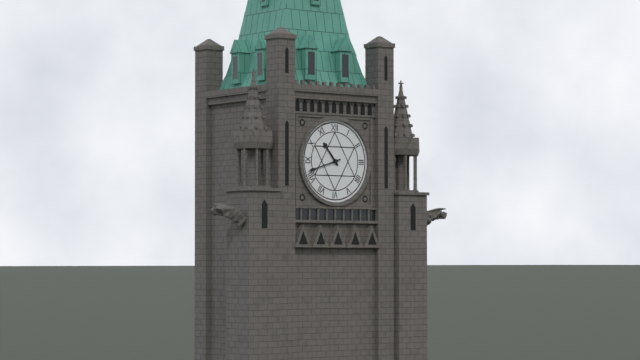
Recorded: h=10 m=42
